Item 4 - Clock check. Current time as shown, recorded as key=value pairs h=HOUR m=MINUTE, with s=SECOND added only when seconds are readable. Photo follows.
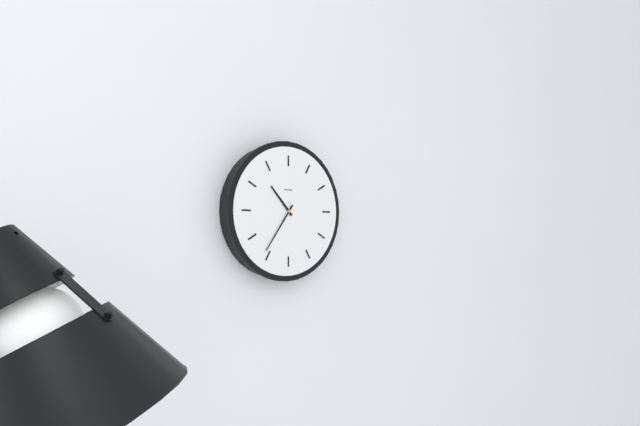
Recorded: h=10 m=36
